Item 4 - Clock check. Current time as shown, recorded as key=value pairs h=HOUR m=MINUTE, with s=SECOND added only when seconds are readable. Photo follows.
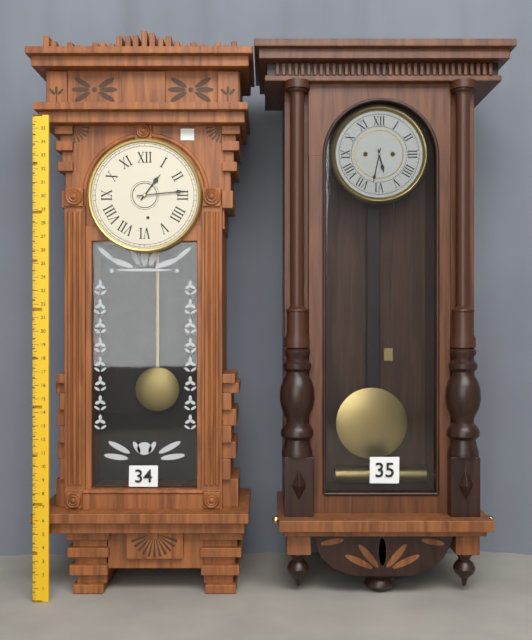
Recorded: h=1 m=14
